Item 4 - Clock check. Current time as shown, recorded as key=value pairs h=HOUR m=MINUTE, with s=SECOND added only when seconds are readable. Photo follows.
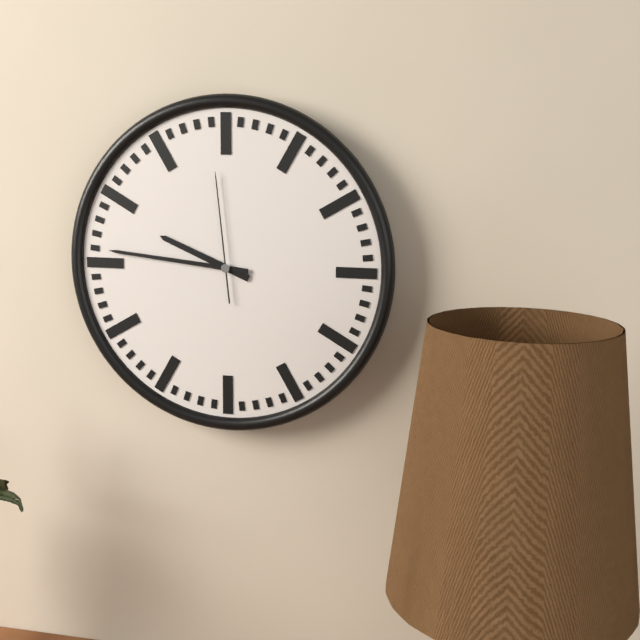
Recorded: h=9 m=46 s=59
